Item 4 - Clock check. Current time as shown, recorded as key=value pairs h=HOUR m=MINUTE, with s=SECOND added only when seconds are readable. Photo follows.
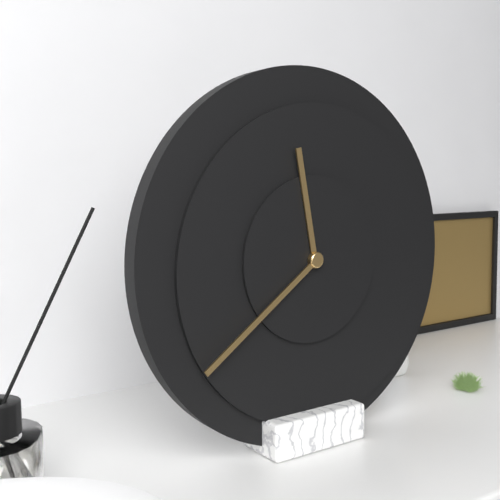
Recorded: h=11 m=39
